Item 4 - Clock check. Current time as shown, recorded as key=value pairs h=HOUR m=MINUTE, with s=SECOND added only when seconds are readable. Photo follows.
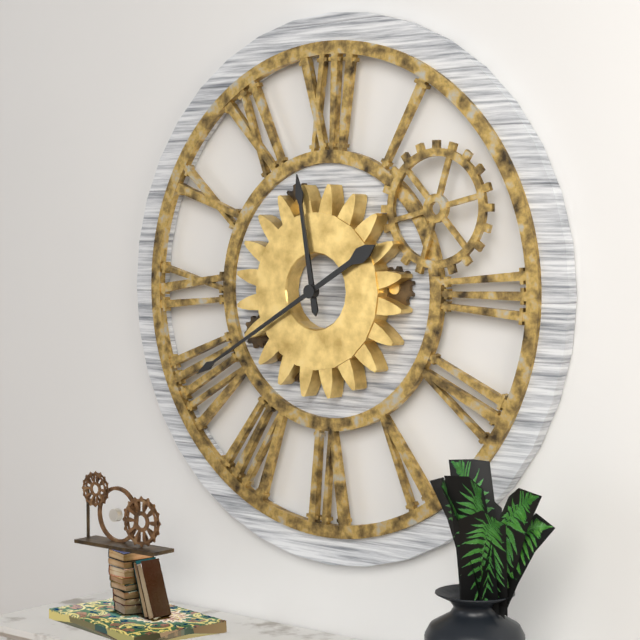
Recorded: h=11 m=40
